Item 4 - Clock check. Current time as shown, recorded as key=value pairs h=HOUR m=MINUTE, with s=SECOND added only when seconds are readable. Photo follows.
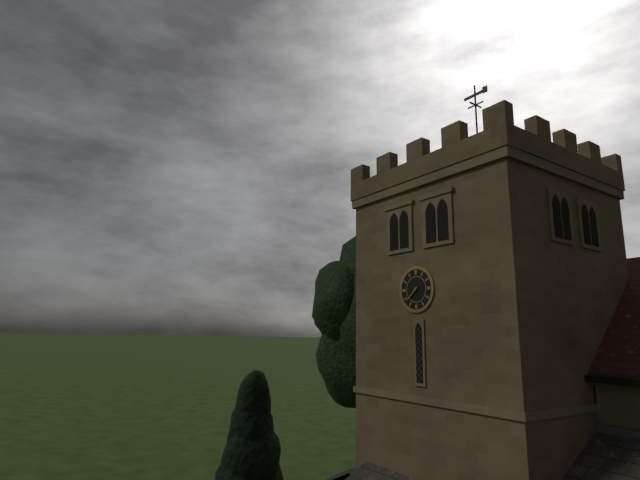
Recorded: h=7 m=38
